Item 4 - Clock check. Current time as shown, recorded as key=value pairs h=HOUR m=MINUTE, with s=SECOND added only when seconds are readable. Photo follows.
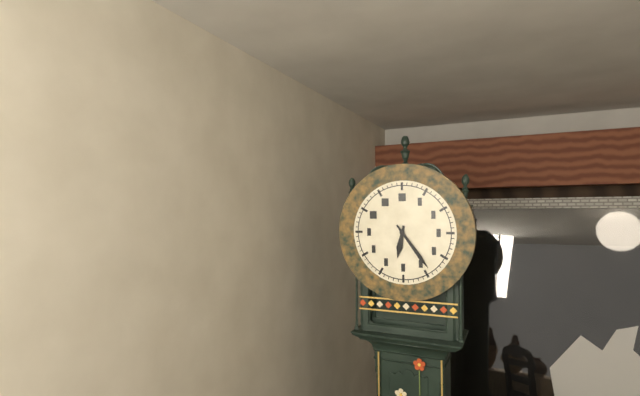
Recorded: h=6 m=24
